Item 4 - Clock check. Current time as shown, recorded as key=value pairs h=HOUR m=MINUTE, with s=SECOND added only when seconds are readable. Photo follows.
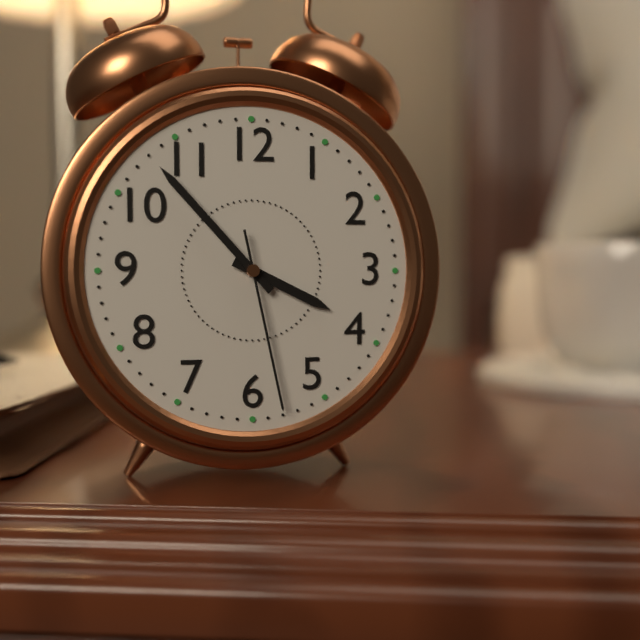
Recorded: h=3 m=53 s=28
